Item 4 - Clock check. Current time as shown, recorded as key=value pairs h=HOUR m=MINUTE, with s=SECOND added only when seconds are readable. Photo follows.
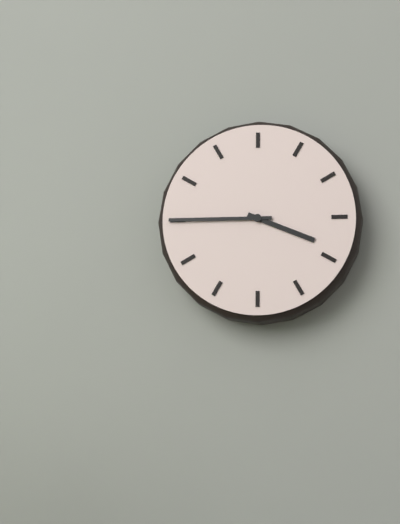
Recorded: h=3 m=45
